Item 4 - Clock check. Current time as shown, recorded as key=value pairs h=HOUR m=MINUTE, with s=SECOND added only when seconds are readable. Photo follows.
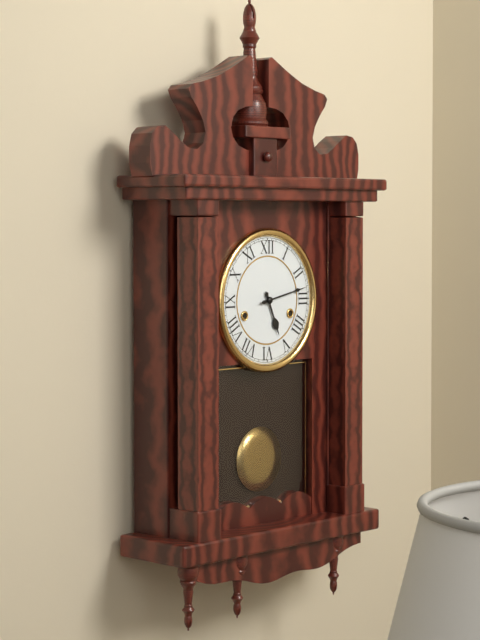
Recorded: h=5 m=13
